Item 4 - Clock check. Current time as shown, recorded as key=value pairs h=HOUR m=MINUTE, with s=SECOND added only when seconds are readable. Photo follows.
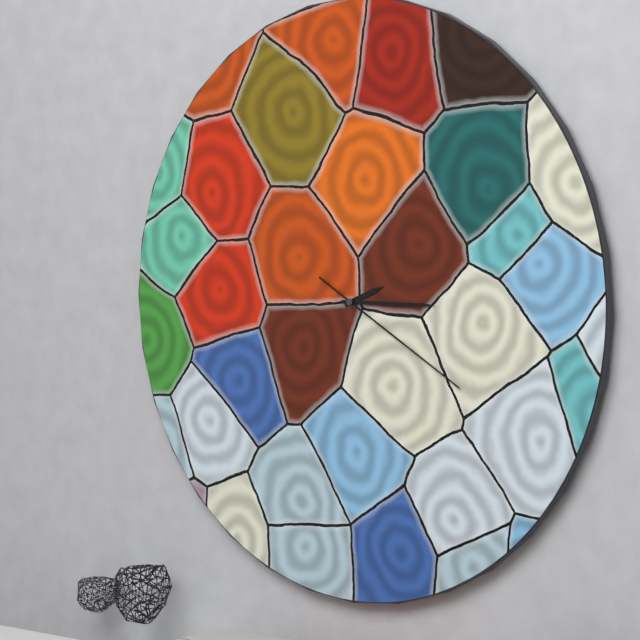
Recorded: h=2 m=15 s=20
